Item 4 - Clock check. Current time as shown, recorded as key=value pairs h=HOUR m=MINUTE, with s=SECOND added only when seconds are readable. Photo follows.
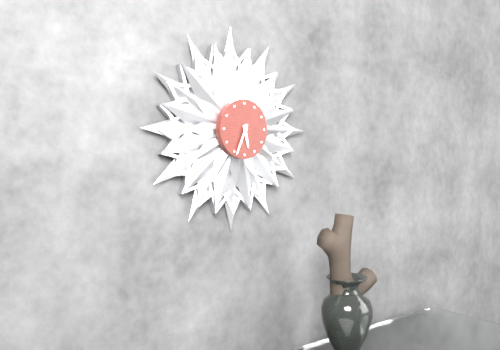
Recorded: h=5 m=34
